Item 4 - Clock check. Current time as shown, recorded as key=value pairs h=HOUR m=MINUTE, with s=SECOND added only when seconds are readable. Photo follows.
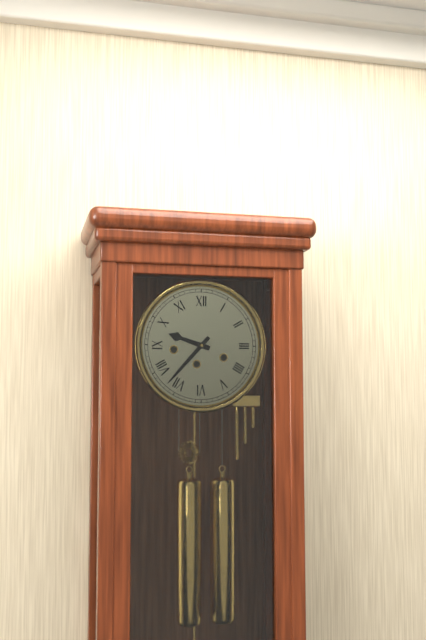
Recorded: h=9 m=37
